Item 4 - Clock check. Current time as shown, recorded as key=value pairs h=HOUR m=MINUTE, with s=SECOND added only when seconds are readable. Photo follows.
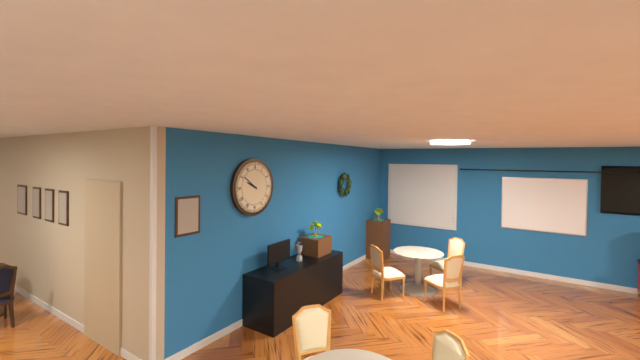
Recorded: h=9 m=51
